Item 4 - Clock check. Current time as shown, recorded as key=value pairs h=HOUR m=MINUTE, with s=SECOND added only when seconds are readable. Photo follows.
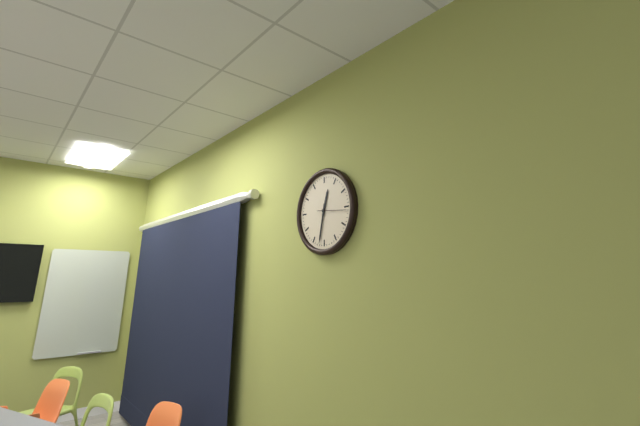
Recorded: h=12 m=32
